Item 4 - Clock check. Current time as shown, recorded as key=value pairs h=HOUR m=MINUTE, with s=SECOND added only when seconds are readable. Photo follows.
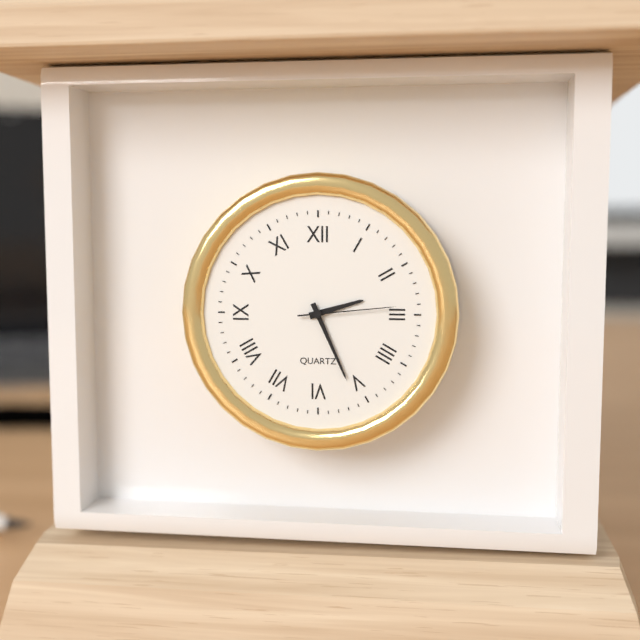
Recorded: h=2 m=26 s=14
